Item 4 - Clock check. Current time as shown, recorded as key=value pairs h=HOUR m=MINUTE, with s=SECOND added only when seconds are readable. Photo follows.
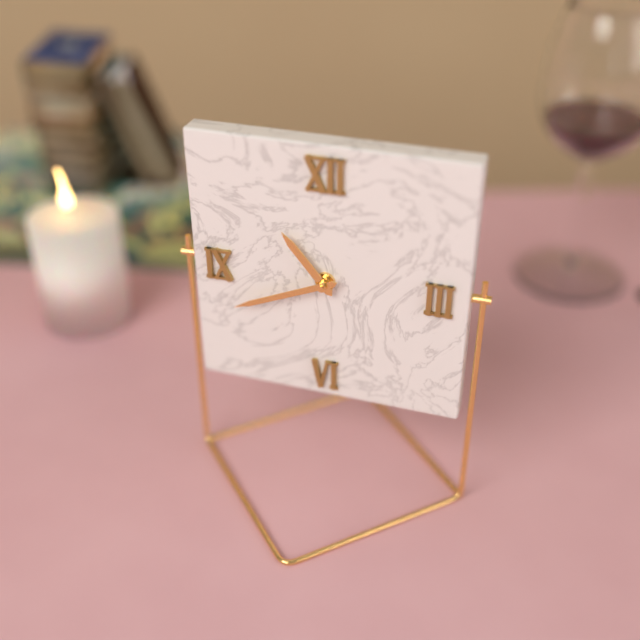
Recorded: h=10 m=41
